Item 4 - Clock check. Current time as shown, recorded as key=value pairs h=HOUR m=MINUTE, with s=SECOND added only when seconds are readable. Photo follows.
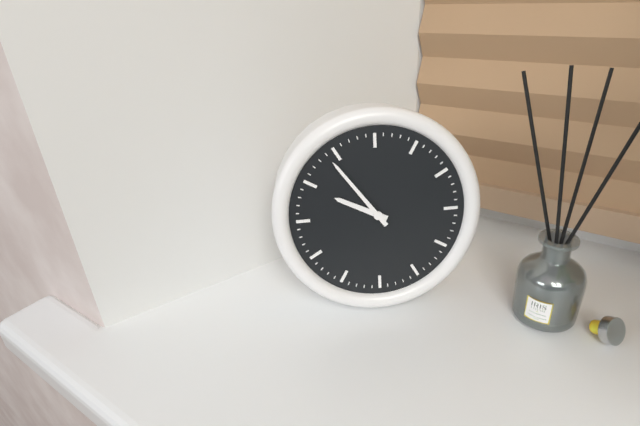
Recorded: h=9 m=54
